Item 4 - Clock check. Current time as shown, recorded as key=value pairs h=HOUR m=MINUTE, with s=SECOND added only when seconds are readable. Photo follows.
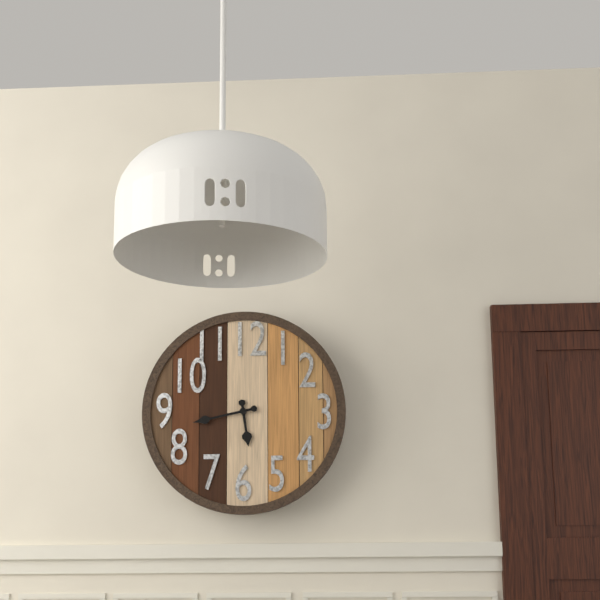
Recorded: h=5 m=43
